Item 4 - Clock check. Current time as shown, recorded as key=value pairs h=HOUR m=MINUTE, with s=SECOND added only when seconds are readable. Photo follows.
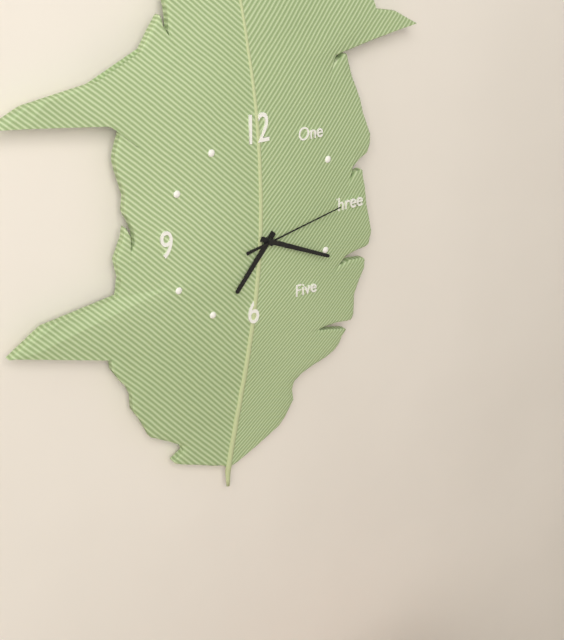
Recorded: h=7 m=19 s=13
